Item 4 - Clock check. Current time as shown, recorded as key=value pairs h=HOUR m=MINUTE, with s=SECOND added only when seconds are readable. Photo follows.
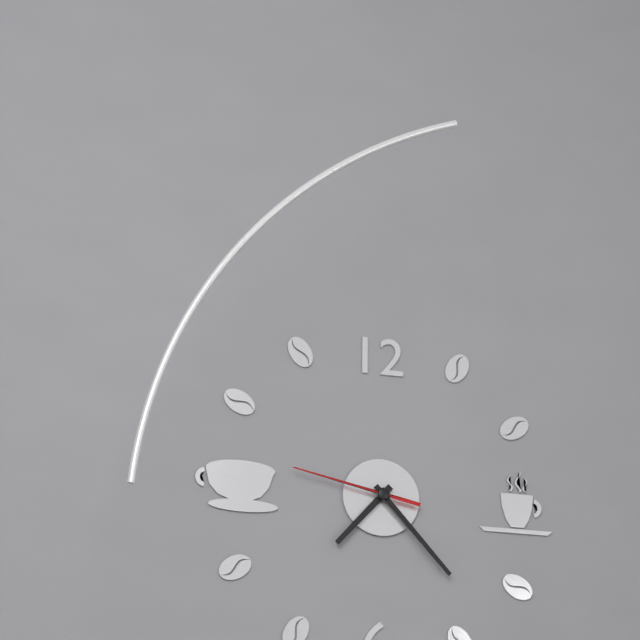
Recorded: h=7 m=23 s=47
